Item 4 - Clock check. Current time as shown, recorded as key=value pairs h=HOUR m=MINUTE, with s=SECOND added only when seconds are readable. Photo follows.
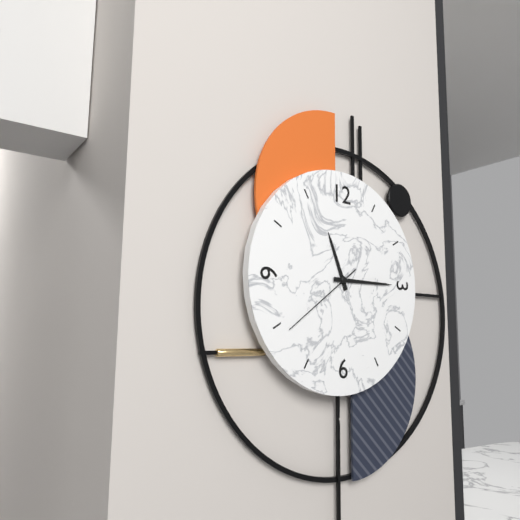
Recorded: h=11 m=15 s=39
